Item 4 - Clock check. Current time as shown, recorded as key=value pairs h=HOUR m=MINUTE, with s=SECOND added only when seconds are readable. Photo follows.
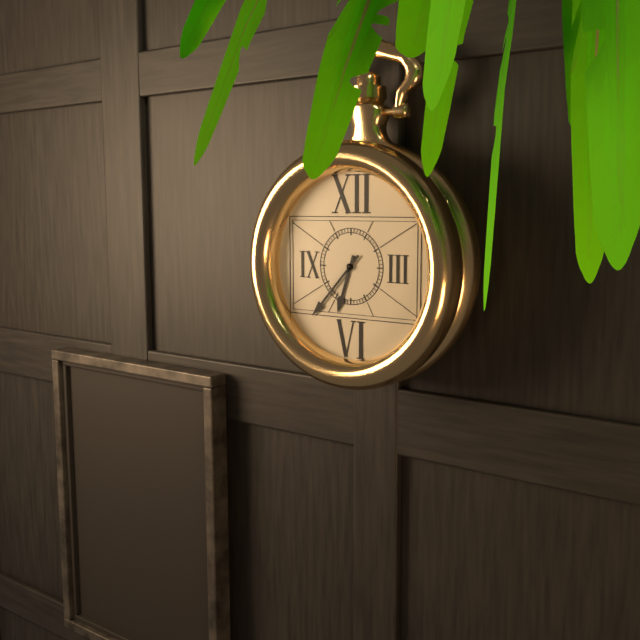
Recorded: h=6 m=37
